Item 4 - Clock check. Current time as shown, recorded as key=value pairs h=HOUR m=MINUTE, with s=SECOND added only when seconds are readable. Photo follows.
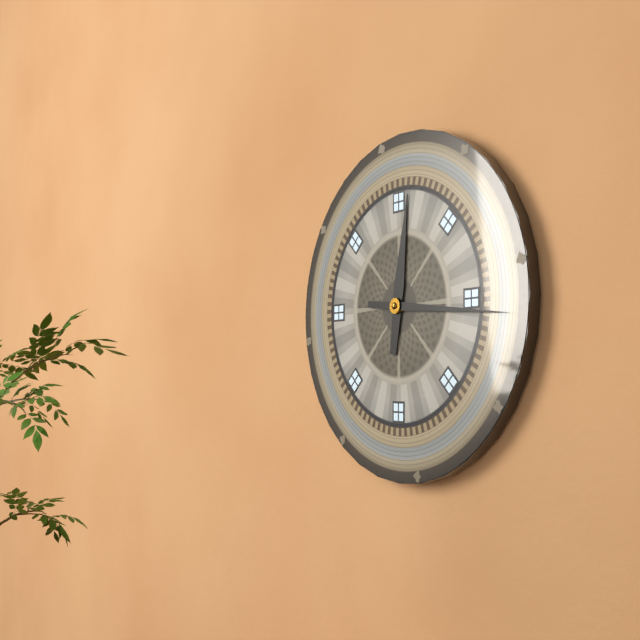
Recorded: h=12 m=16
